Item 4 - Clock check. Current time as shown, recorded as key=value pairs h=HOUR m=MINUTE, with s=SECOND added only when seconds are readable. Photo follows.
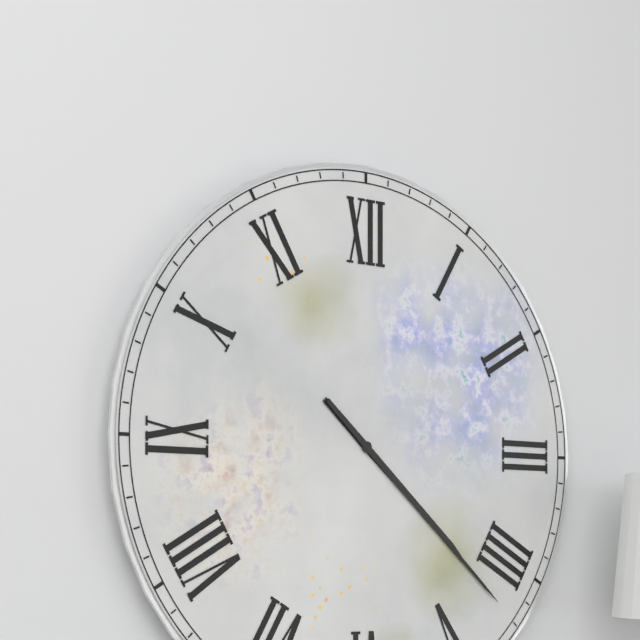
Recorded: h=4 m=22
